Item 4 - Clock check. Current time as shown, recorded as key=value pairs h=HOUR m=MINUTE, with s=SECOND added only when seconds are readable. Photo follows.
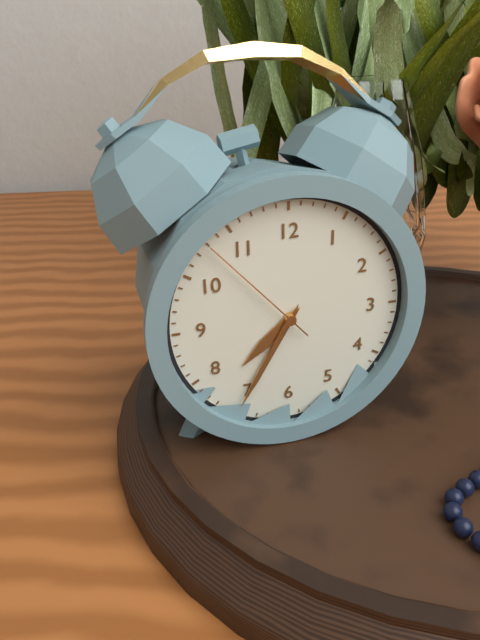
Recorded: h=7 m=35 s=53
